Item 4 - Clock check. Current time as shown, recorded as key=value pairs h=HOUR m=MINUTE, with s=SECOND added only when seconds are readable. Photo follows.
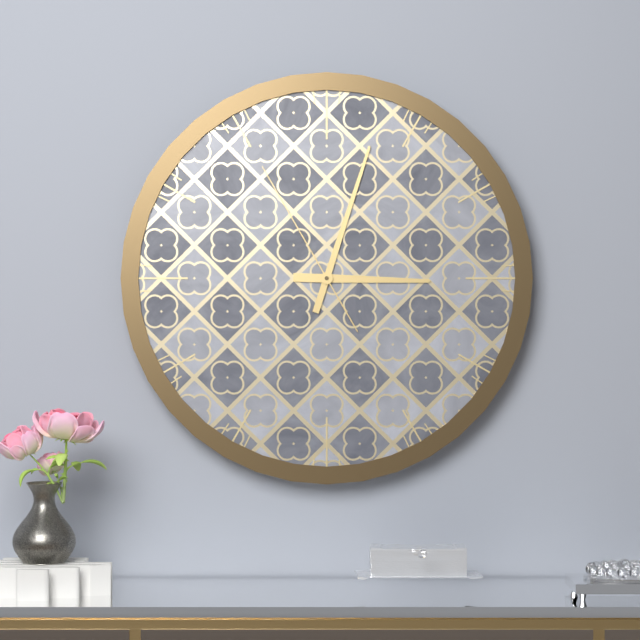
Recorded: h=3 m=3 s=55
